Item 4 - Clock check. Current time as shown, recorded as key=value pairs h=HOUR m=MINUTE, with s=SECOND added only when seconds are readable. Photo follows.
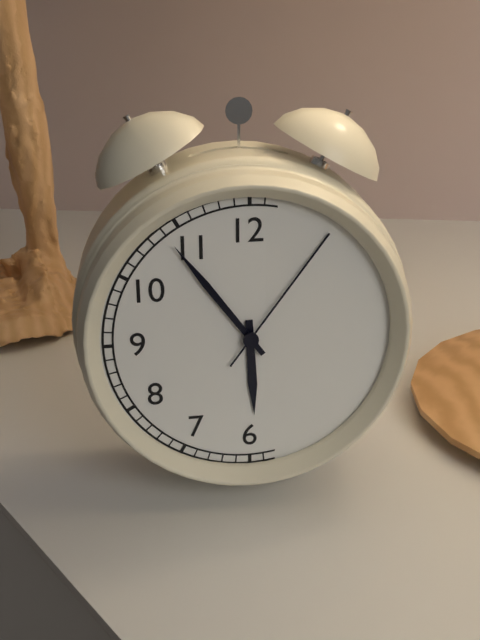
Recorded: h=5 m=54 s=6
